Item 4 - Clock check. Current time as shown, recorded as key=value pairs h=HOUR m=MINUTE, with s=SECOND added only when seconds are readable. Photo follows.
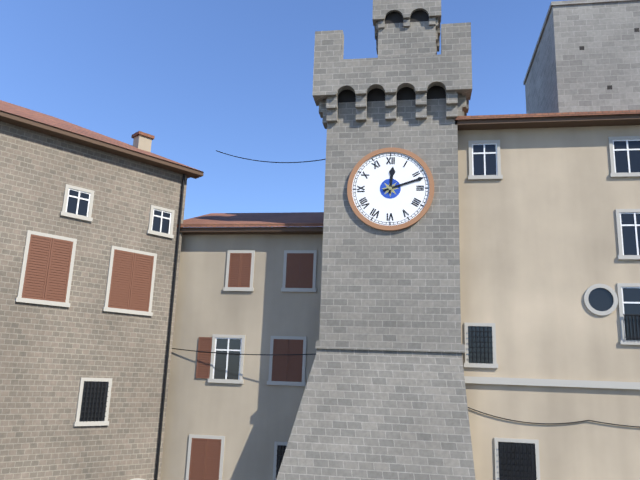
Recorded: h=12 m=12
